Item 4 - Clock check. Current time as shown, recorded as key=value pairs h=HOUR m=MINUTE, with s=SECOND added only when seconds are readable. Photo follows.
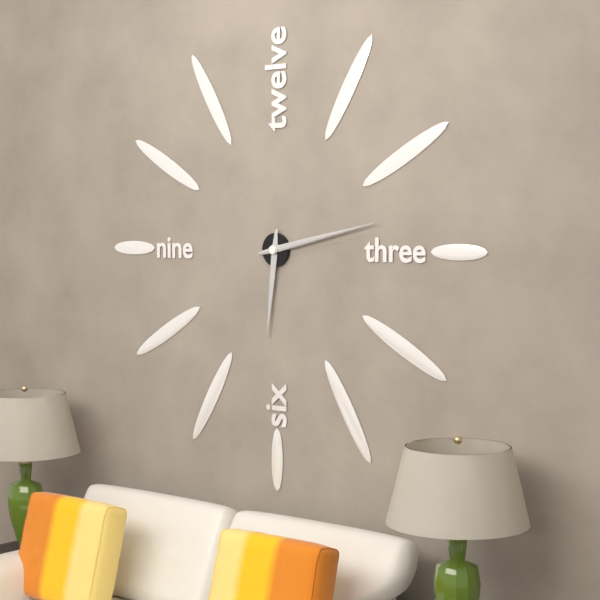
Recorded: h=6 m=13
